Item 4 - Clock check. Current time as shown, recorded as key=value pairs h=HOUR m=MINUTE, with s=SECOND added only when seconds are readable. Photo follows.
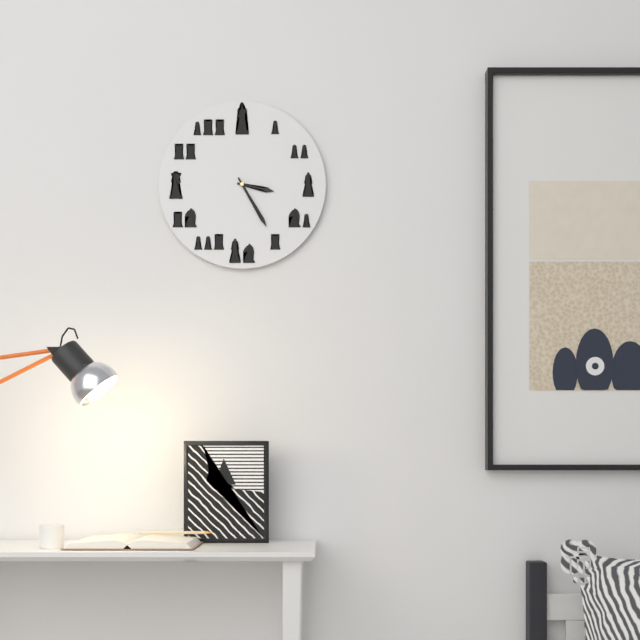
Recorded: h=3 m=25
